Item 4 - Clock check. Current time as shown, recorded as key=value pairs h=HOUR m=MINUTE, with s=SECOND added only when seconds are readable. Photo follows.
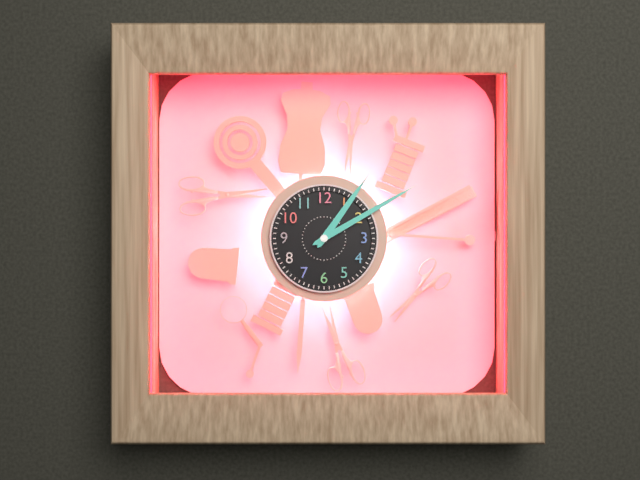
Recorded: h=1 m=10
